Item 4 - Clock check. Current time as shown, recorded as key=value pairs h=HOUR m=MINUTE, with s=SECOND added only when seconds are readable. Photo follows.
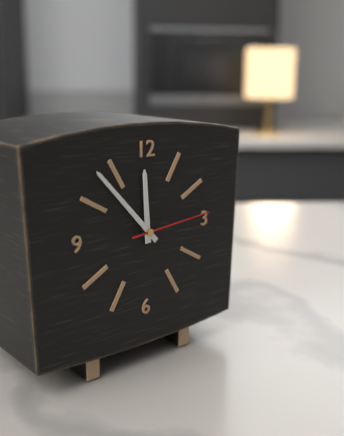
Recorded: h=11 m=53 s=14
